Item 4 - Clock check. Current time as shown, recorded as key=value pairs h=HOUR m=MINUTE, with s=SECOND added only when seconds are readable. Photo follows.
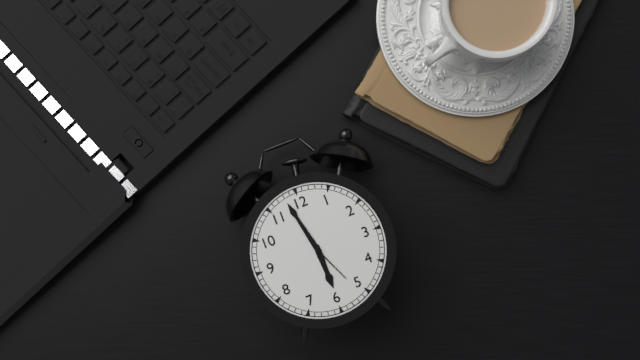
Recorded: h=5 m=58 s=26
